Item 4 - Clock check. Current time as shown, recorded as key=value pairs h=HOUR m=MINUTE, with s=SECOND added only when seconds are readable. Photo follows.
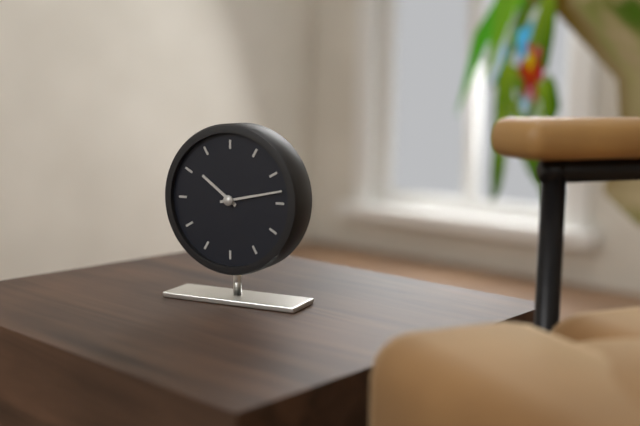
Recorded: h=10 m=13
